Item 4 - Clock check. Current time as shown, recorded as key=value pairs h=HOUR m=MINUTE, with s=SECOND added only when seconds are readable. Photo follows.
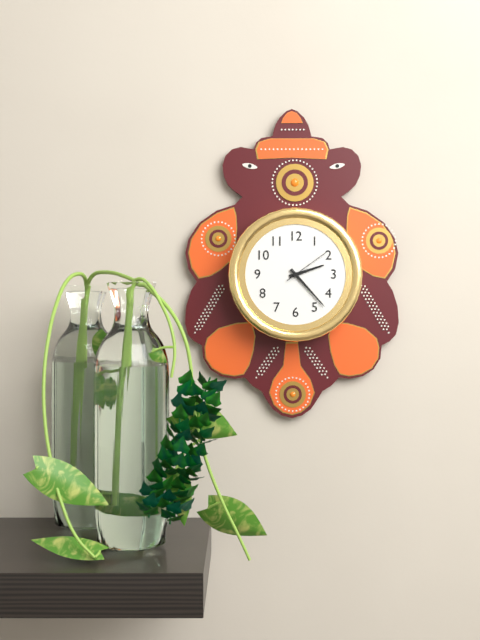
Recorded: h=2 m=23 s=9
